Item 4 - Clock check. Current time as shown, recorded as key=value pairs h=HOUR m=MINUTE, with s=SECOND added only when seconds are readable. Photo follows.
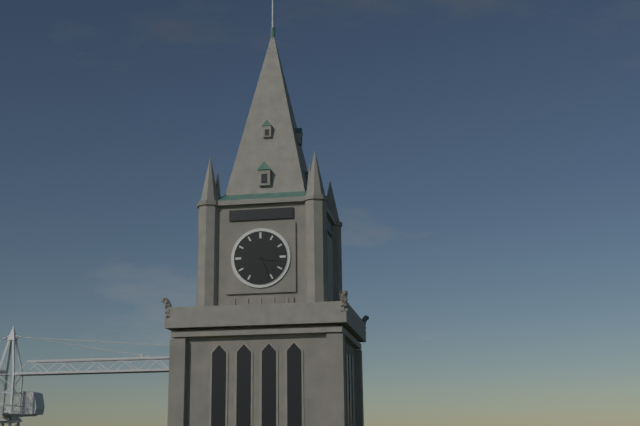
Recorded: h=3 m=26
